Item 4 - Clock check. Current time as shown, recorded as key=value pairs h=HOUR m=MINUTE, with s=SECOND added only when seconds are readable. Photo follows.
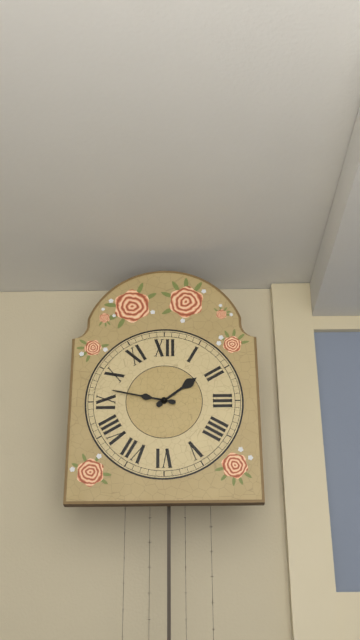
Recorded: h=1 m=47
